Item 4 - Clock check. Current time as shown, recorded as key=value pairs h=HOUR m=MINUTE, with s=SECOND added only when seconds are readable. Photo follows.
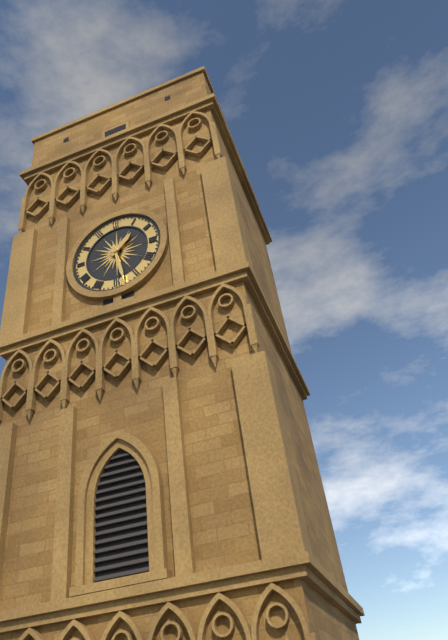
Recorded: h=1 m=28
